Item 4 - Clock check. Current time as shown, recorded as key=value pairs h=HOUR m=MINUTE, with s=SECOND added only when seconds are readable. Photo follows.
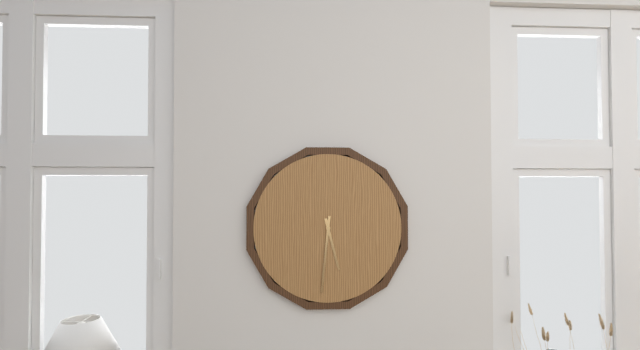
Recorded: h=5 m=31
